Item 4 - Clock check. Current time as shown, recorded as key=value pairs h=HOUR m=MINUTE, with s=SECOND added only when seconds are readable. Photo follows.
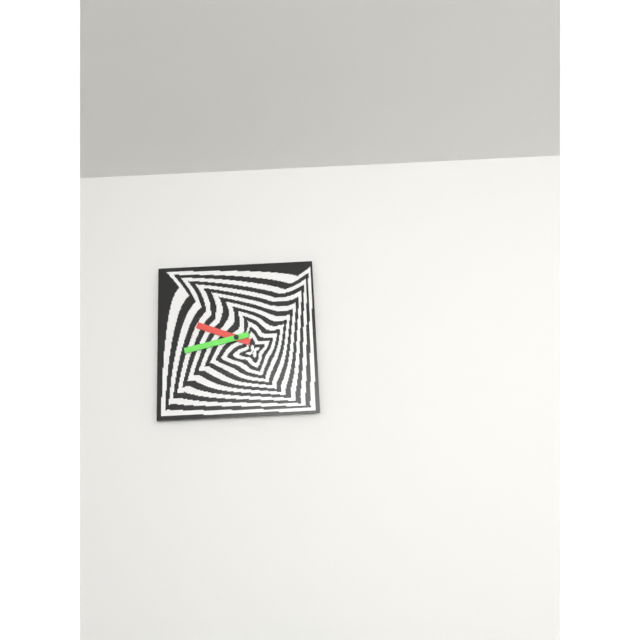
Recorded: h=9 m=43
